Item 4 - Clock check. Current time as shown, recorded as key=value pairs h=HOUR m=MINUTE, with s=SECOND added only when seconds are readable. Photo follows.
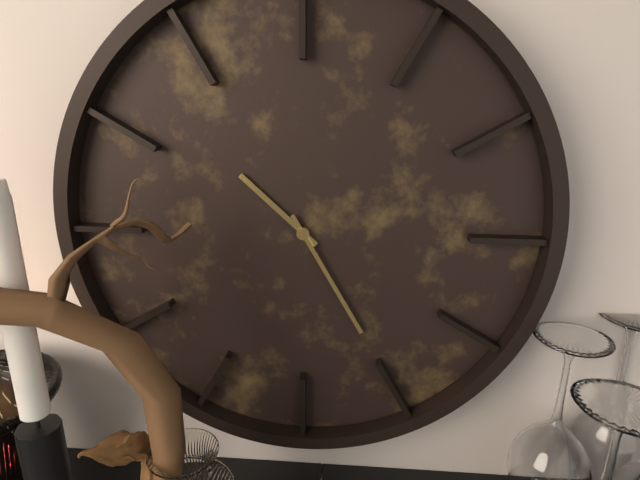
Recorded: h=10 m=25
